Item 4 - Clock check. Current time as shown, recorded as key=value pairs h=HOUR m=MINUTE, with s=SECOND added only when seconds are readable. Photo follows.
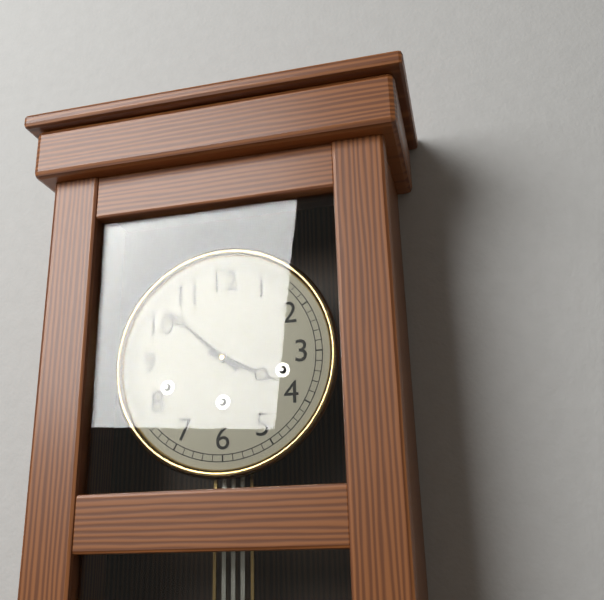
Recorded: h=3 m=52
